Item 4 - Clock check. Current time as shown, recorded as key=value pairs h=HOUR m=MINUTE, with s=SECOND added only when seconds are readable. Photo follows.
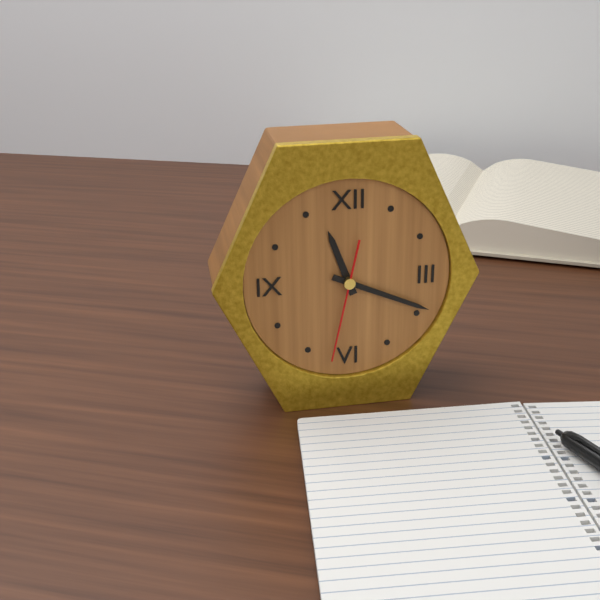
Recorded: h=11 m=19 s=32
